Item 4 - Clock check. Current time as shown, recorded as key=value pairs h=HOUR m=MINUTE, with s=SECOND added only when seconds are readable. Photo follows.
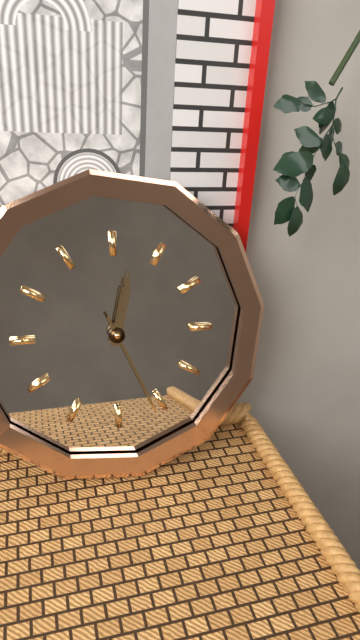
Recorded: h=12 m=26
